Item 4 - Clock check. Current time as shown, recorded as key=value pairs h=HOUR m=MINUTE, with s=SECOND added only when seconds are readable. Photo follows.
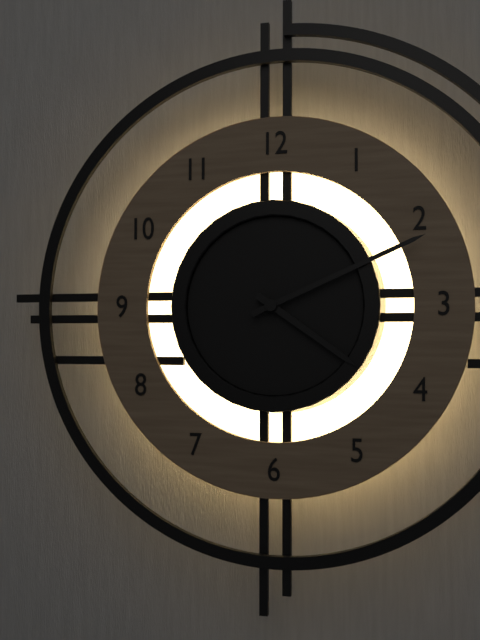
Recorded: h=4 m=11
